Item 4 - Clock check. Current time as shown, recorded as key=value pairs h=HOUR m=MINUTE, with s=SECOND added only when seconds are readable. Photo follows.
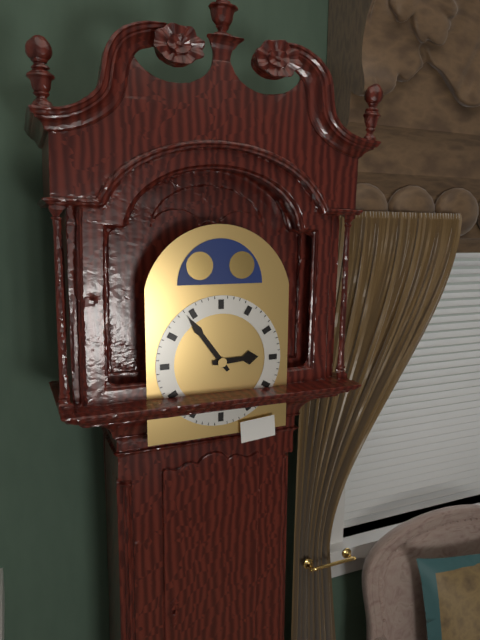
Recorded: h=2 m=54
